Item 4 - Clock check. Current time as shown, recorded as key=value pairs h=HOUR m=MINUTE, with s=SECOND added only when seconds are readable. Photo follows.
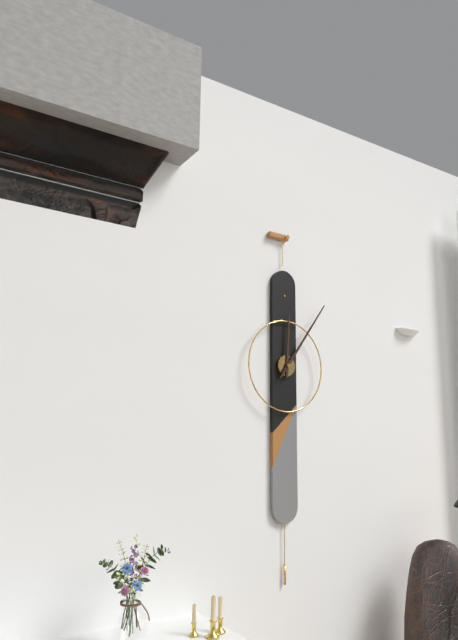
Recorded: h=12 m=6
